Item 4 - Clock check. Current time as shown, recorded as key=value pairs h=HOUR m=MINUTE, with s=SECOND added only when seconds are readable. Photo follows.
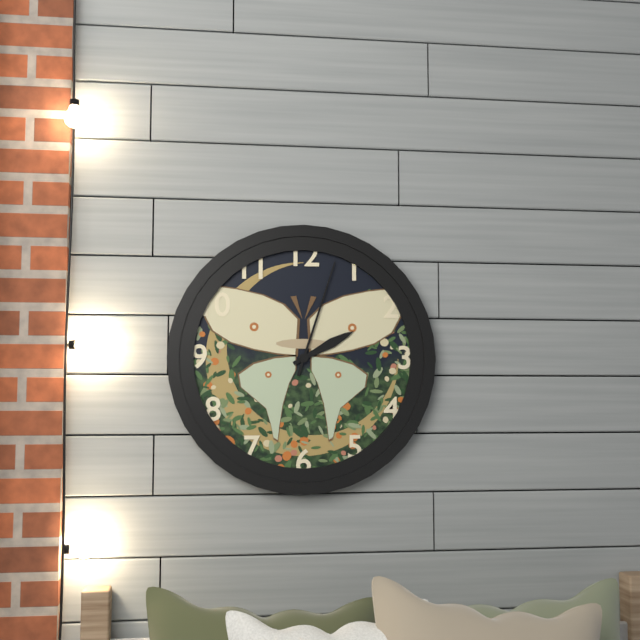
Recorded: h=2 m=3
